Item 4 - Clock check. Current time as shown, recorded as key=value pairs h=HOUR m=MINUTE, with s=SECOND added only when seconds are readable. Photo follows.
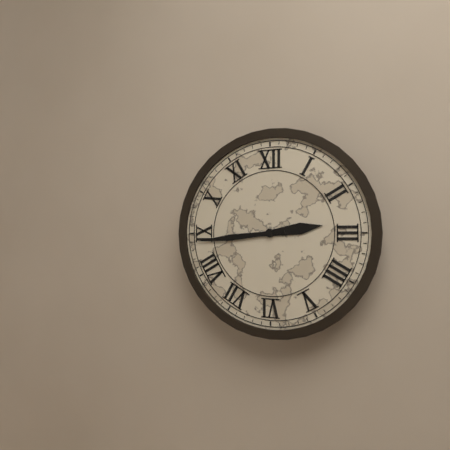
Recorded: h=2 m=44
